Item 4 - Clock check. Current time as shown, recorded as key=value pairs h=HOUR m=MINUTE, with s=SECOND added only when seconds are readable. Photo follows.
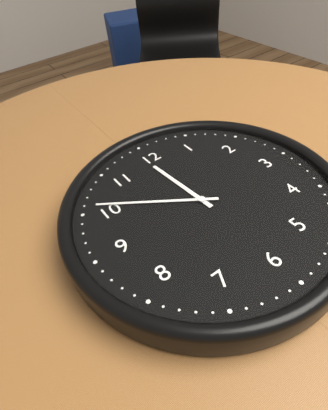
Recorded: h=11 m=51
